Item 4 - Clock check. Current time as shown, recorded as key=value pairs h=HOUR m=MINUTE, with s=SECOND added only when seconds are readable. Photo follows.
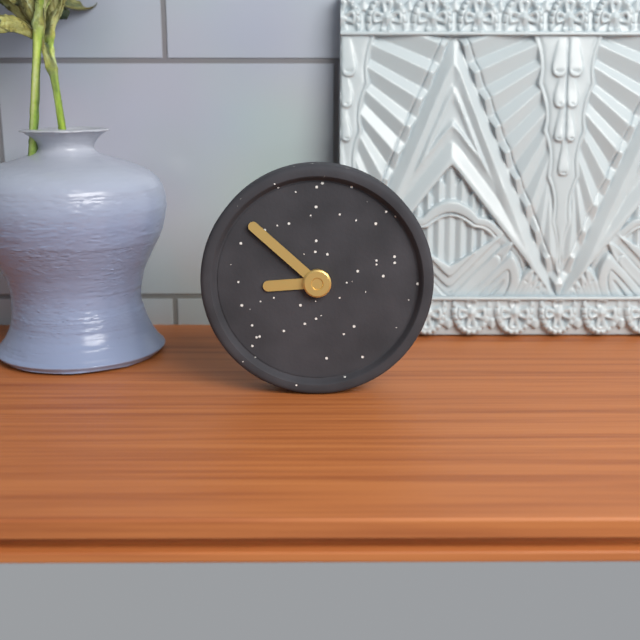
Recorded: h=8 m=52
